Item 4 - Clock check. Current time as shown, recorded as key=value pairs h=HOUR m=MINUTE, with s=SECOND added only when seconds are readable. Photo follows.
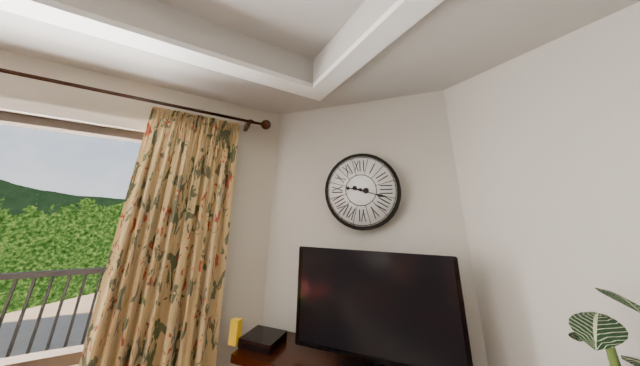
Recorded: h=9 m=18
